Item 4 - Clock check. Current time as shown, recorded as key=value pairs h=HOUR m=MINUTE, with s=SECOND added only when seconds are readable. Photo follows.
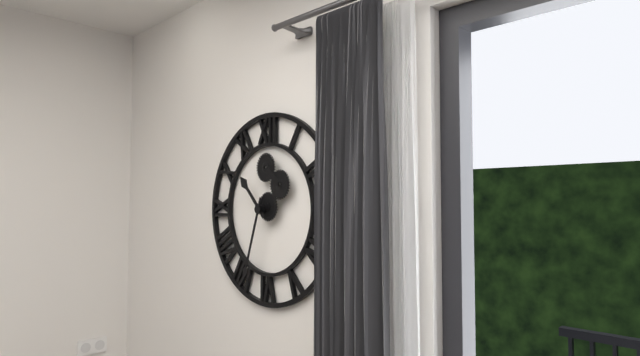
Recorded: h=10 m=33
